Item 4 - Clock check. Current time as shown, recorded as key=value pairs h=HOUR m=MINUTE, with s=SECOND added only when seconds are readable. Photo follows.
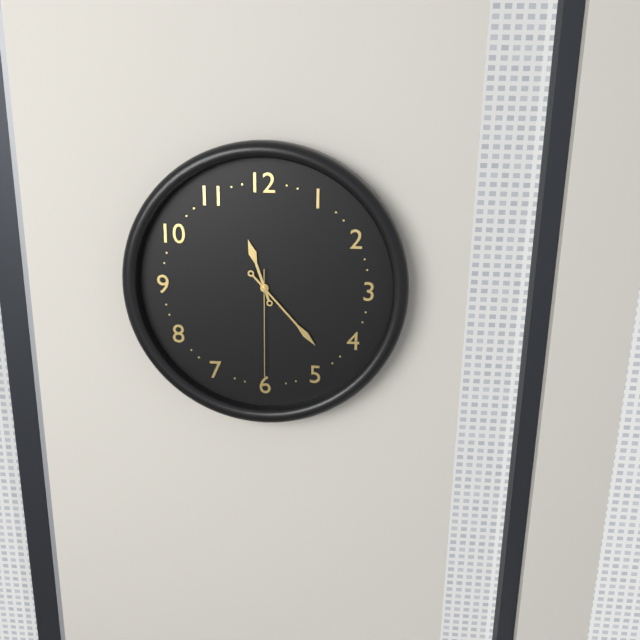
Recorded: h=11 m=23 s=30
